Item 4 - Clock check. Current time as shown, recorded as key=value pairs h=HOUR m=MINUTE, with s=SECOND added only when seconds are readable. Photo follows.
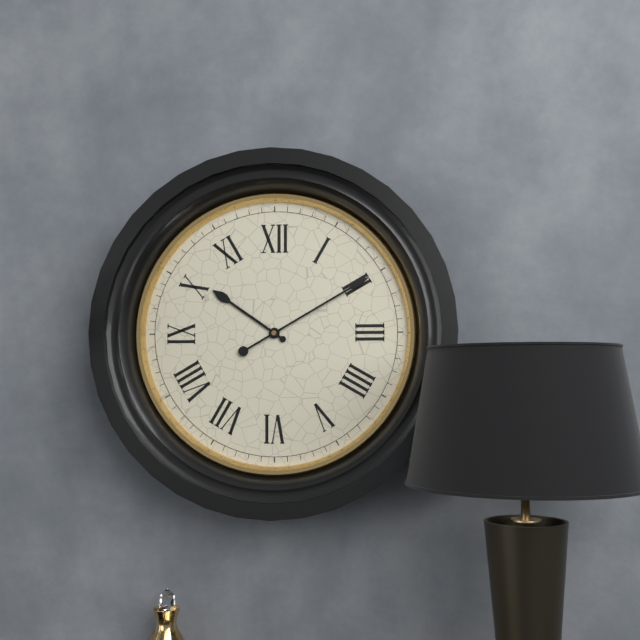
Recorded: h=10 m=10
